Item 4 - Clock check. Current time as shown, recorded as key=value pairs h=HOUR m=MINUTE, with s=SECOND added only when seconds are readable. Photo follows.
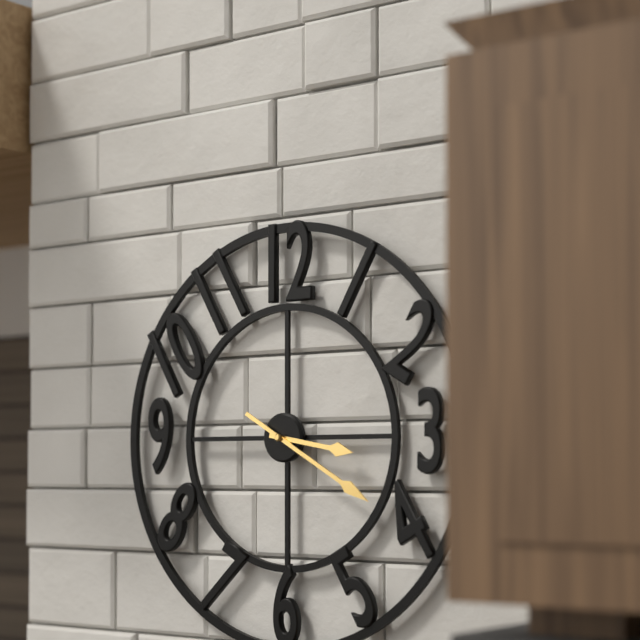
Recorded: h=3 m=20
